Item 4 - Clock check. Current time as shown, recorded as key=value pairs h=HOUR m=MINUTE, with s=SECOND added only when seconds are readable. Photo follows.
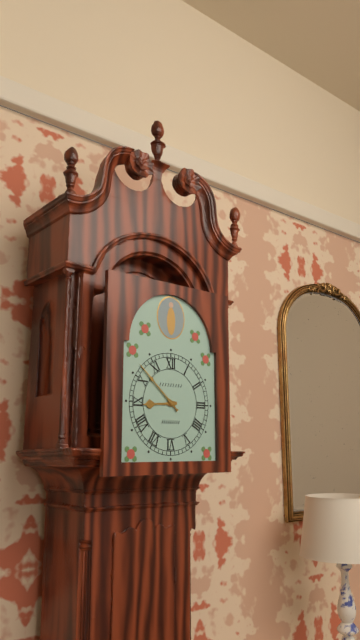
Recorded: h=8 m=52
